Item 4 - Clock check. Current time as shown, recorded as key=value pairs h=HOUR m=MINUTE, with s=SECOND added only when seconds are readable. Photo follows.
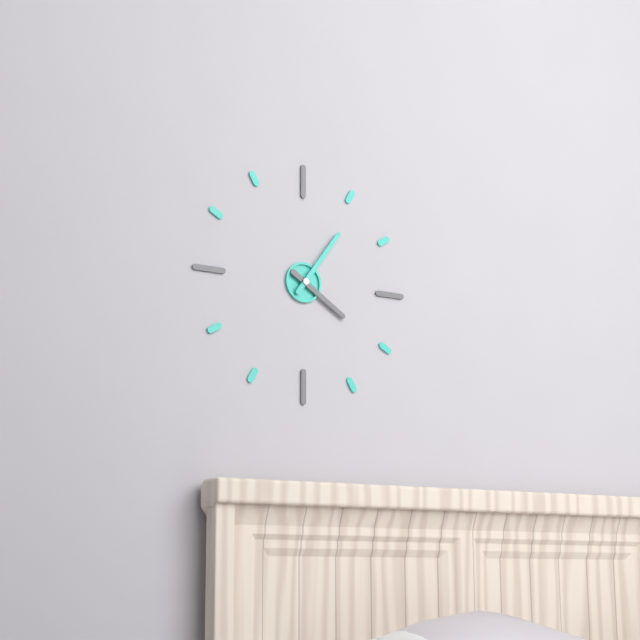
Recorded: h=4 m=6
